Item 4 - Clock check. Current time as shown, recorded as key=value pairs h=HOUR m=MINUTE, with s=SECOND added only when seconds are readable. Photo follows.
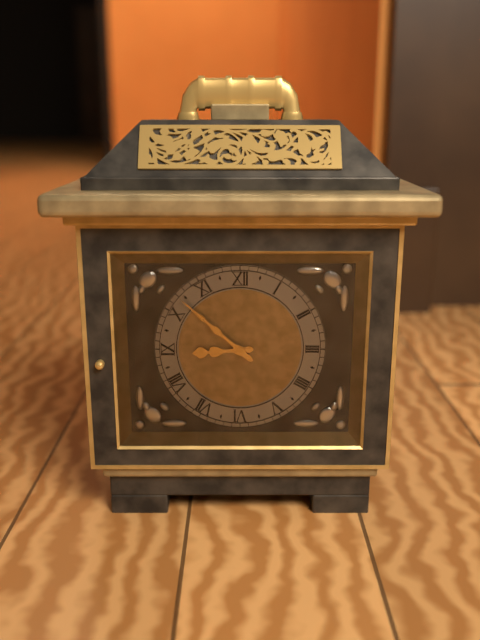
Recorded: h=8 m=52
